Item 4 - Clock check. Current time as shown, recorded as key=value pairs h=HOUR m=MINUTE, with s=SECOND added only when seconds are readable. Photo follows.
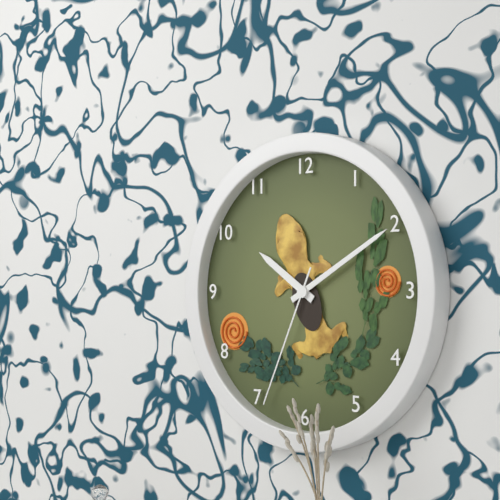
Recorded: h=10 m=10 s=34
